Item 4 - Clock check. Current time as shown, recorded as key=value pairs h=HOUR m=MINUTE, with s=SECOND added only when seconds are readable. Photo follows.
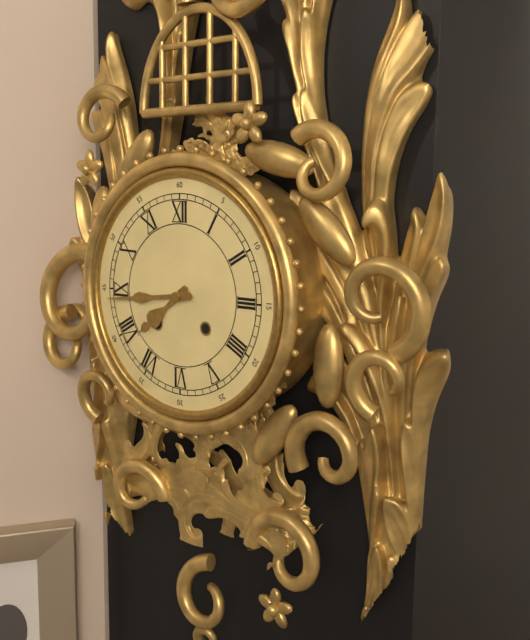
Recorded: h=7 m=44
